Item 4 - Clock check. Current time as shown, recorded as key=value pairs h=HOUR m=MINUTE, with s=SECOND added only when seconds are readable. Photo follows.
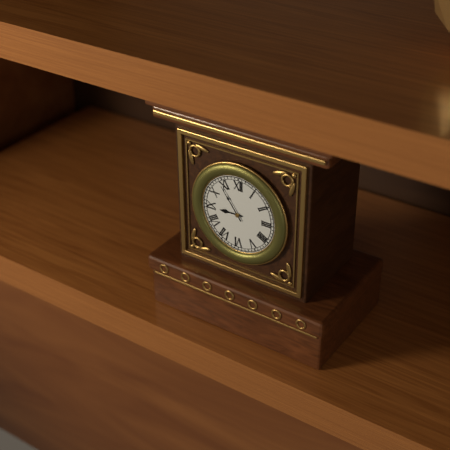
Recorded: h=8 m=54
